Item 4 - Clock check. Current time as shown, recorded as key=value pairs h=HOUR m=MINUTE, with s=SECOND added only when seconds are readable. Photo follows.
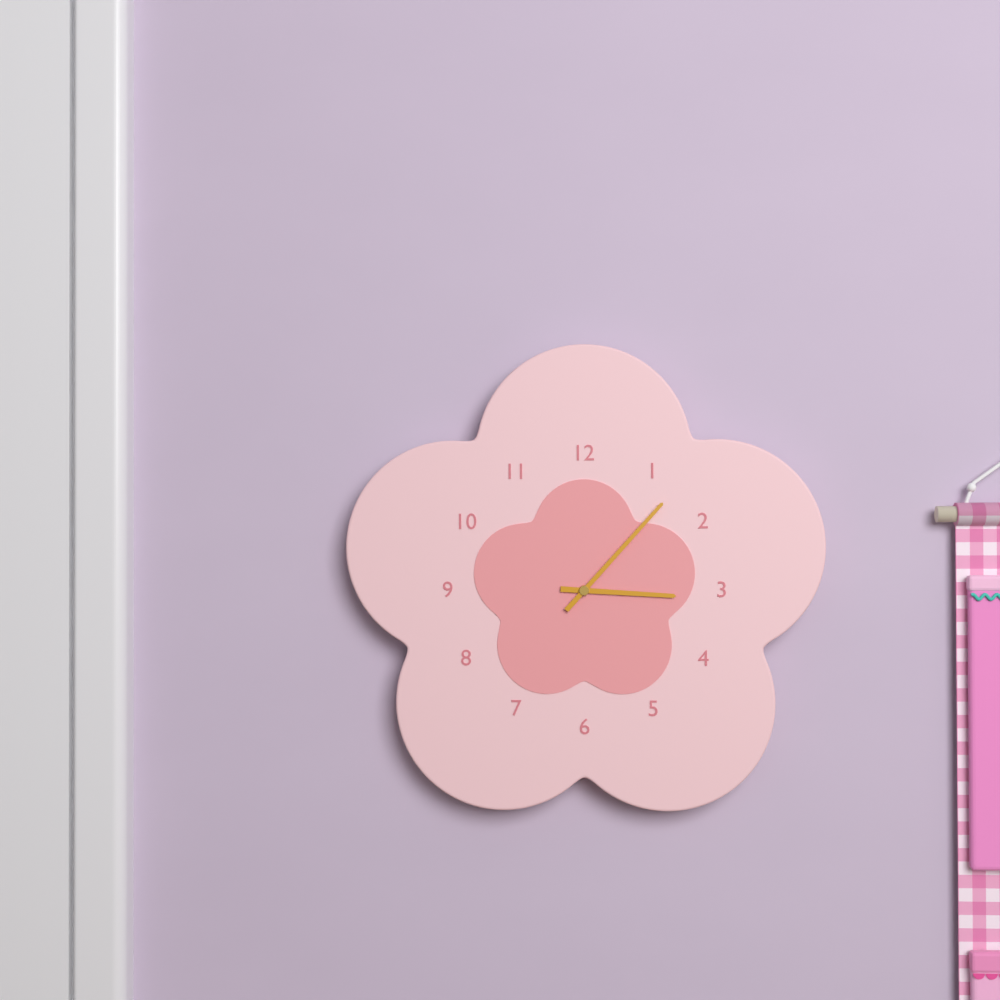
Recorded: h=3 m=7
